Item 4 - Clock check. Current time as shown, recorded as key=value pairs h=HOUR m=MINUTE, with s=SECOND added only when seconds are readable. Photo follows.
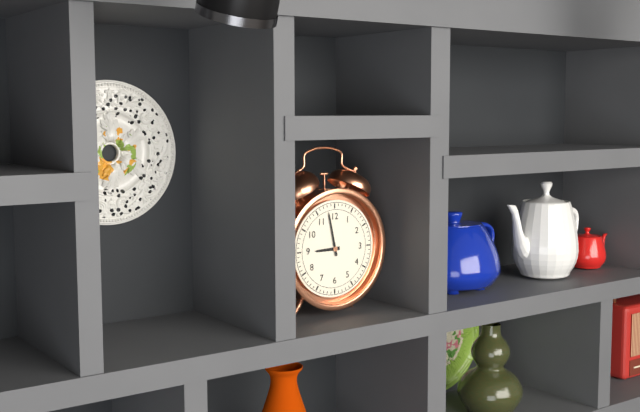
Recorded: h=8 m=58
